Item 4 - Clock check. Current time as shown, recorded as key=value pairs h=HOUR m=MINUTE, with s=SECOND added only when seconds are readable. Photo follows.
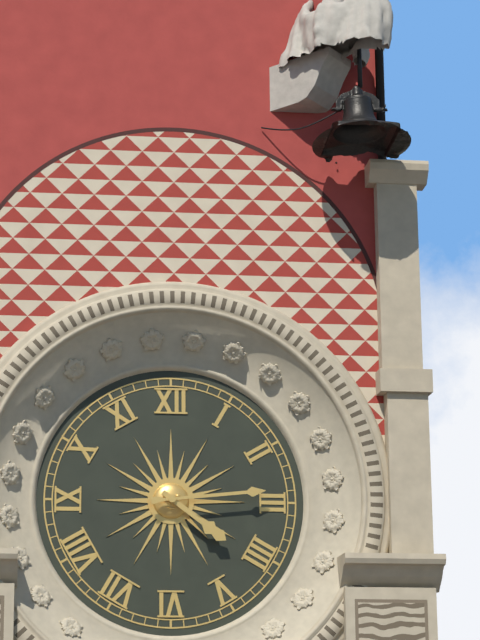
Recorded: h=4 m=14
